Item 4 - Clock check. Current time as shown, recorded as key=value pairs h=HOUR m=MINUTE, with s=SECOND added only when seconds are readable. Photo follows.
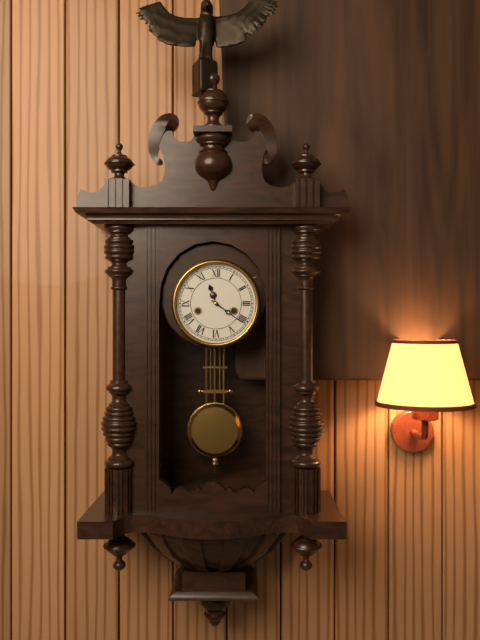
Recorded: h=11 m=21
